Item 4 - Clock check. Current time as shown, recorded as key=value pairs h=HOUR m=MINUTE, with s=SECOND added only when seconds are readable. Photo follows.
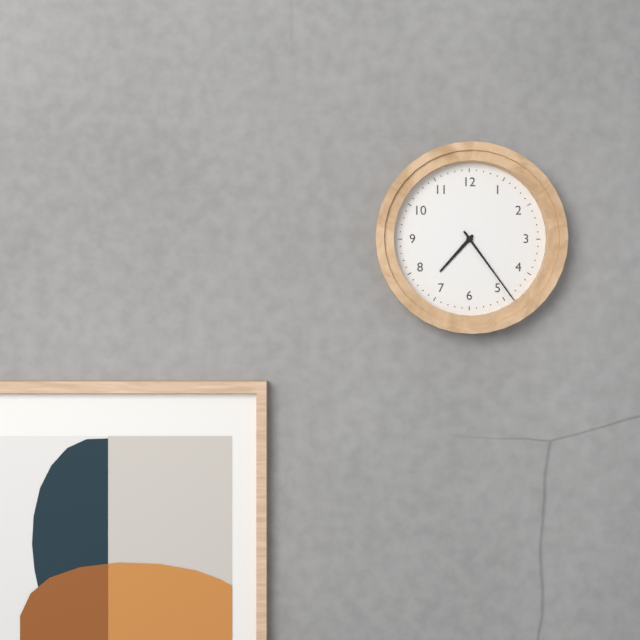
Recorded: h=7 m=24
